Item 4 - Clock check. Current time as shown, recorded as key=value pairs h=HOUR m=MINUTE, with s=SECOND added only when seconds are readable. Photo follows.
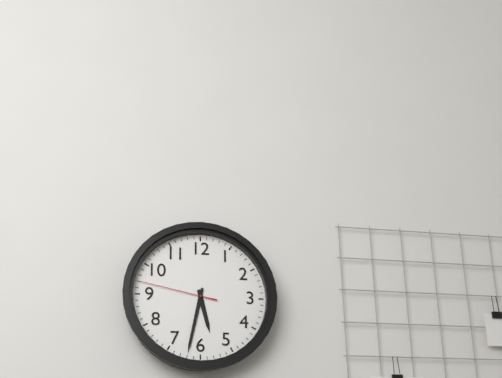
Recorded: h=5 m=32 s=47
